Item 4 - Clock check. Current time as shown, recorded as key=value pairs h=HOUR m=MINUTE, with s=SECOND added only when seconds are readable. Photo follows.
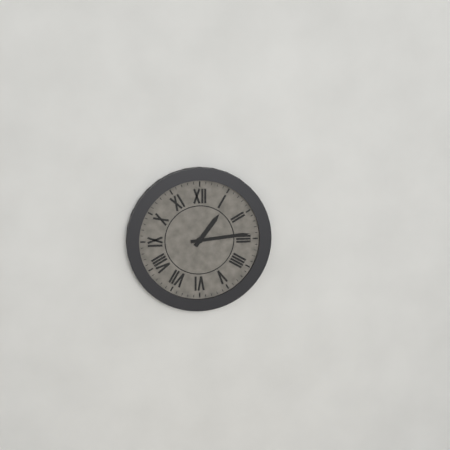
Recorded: h=1 m=14
